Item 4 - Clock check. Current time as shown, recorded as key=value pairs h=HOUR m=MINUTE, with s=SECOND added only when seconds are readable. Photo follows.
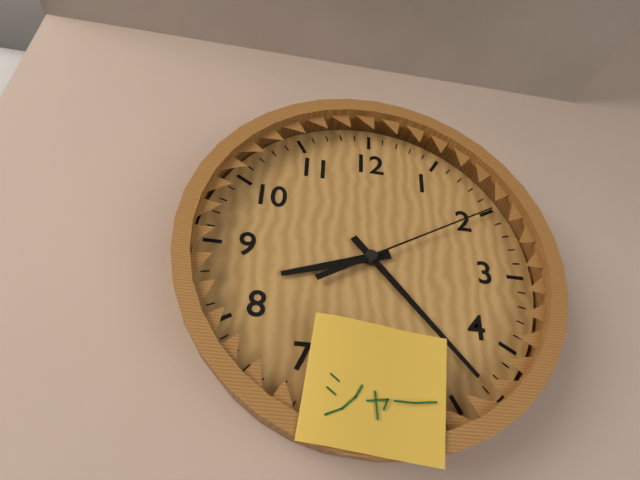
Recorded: h=8 m=23 s=10
